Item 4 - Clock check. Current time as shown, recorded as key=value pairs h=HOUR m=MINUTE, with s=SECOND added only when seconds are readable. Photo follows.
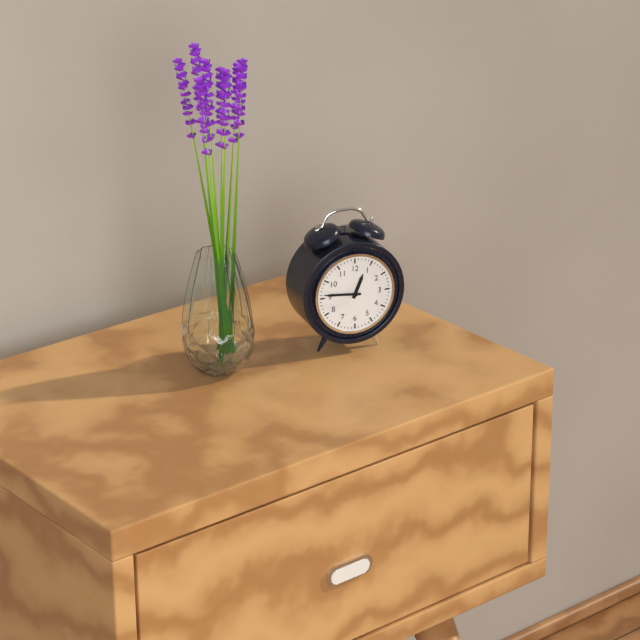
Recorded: h=12 m=46
